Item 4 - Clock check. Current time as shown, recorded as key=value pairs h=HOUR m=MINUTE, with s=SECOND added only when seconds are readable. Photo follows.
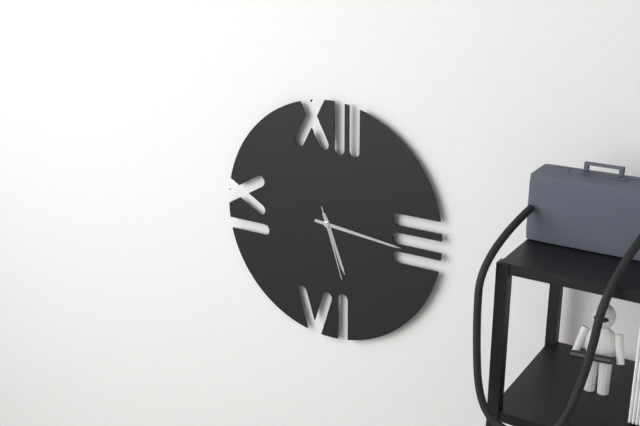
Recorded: h=5 m=16 s=27
